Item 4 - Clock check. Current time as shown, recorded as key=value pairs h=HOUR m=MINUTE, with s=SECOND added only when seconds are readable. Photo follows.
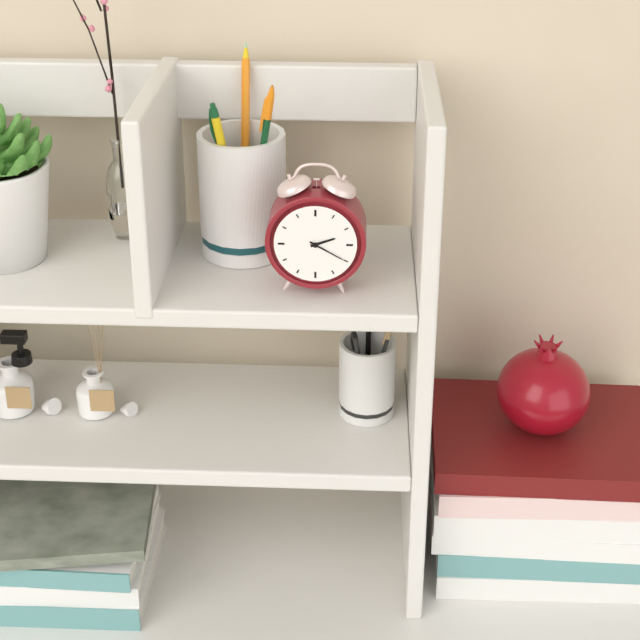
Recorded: h=2 m=20
